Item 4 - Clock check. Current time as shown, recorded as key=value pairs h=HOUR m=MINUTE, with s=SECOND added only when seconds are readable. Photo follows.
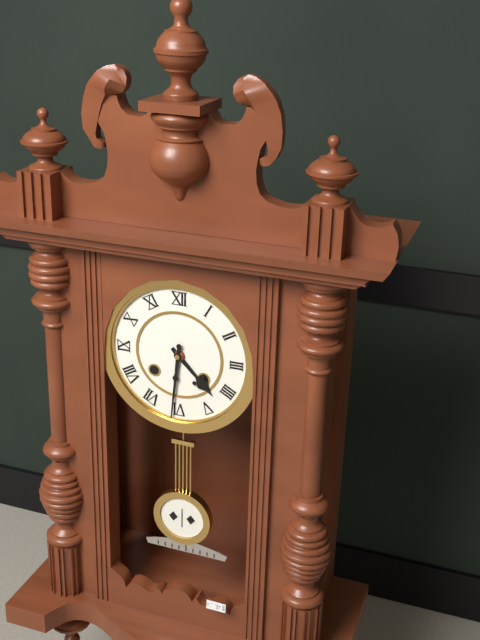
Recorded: h=4 m=31
